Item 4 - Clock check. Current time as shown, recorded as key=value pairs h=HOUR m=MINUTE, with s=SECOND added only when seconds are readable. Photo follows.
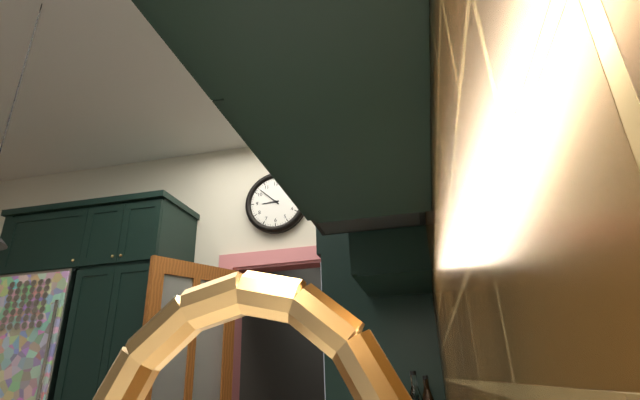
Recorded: h=8 m=52
